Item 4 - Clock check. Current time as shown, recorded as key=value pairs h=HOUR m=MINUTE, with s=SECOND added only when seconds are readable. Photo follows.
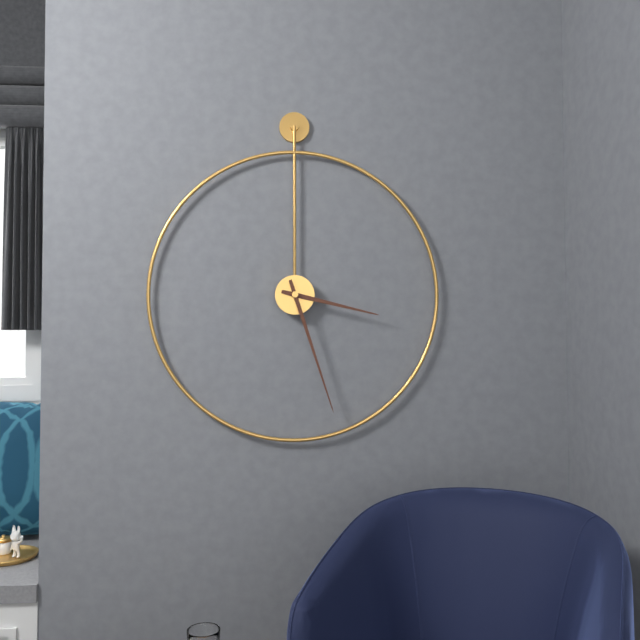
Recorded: h=3 m=27
